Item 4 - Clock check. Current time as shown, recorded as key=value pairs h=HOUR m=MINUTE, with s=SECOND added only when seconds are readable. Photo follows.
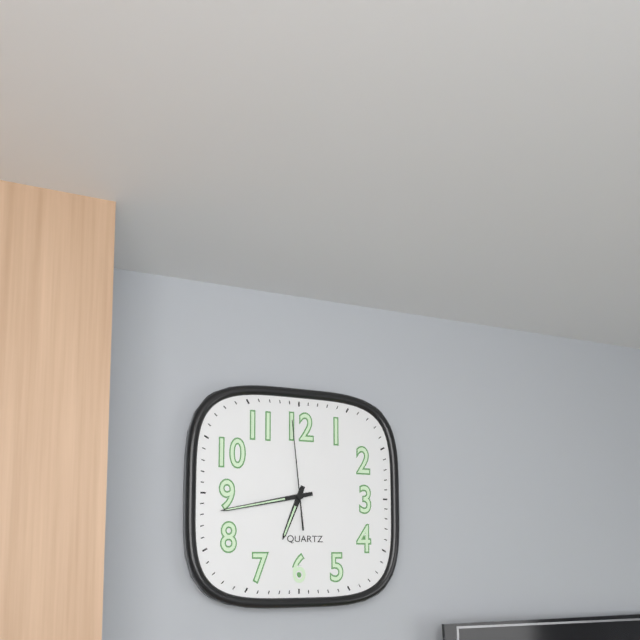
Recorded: h=6 m=43 s=59
